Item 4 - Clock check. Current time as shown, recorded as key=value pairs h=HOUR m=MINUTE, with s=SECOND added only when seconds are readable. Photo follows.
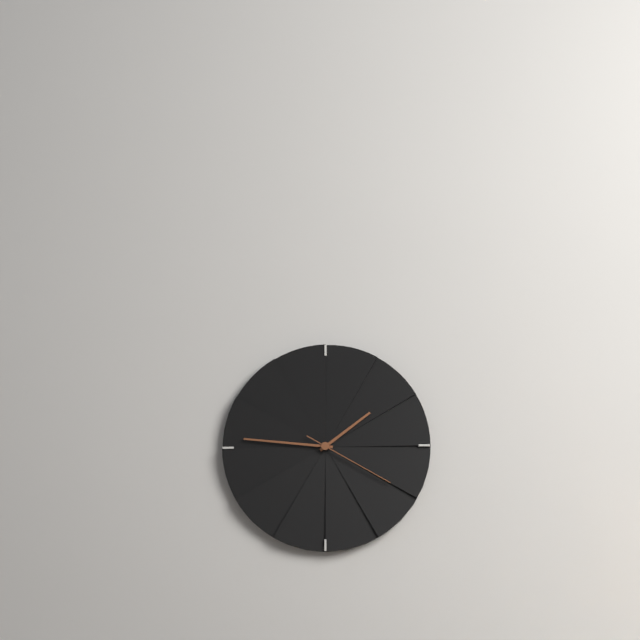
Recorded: h=1 m=46 s=20
